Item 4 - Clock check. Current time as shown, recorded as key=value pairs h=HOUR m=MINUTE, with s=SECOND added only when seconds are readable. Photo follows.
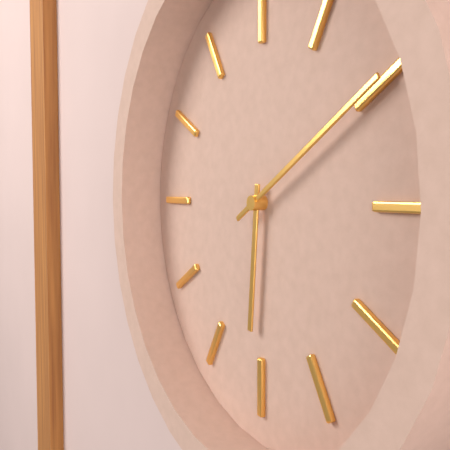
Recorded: h=6 m=10
